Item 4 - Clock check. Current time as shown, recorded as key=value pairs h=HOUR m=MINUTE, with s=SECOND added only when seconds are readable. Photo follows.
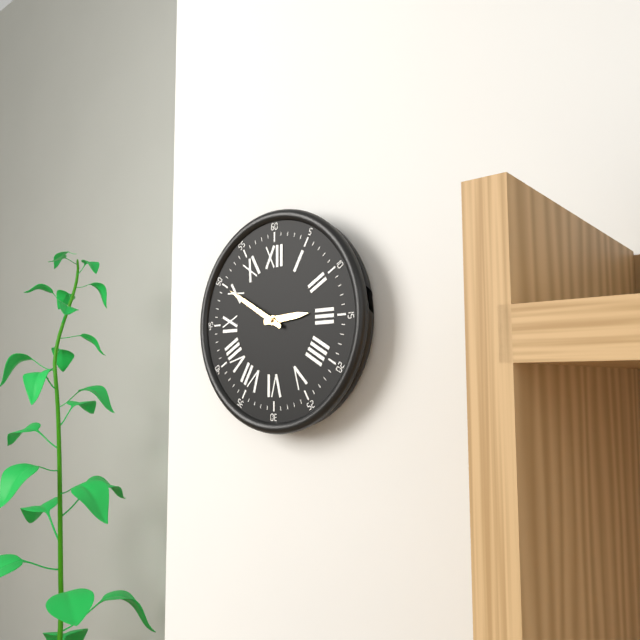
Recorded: h=2 m=50
